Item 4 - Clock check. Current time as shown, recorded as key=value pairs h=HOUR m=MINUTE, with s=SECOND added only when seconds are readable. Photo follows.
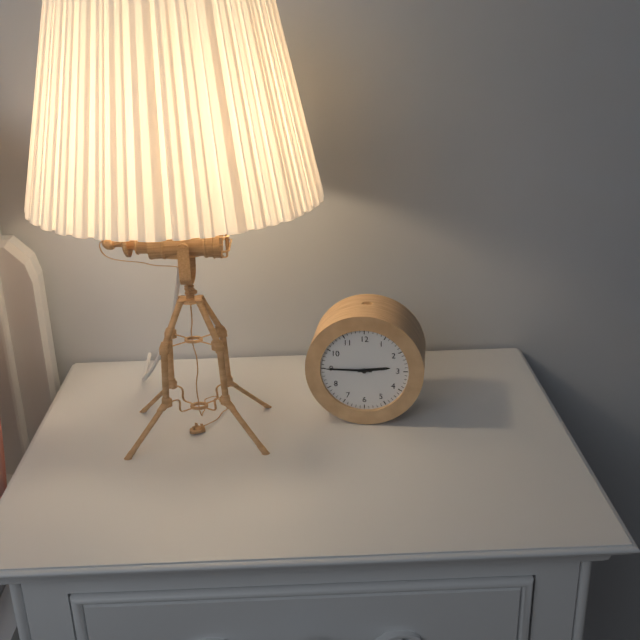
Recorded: h=2 m=45
